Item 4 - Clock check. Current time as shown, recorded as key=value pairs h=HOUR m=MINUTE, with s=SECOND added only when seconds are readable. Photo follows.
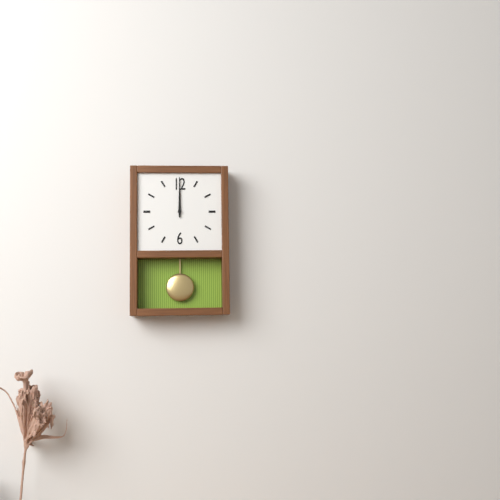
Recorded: h=12 m=0
